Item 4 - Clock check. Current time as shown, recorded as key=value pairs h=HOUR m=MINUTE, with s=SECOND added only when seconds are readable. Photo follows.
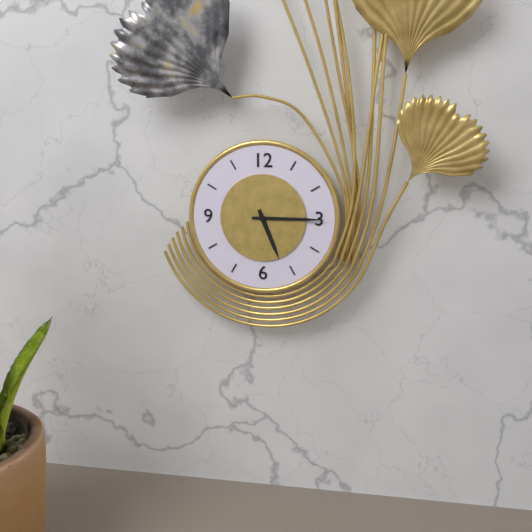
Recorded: h=5 m=15
